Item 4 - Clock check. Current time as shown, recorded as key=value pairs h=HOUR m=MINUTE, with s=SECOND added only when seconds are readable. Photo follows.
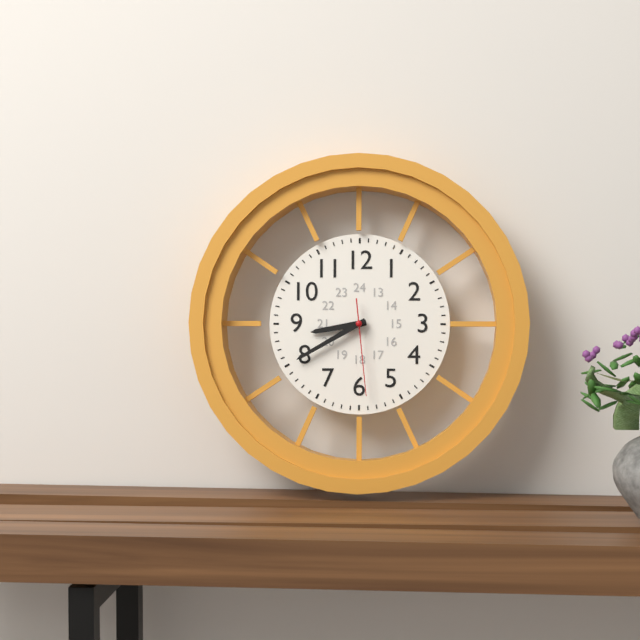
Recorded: h=8 m=40 s=29
